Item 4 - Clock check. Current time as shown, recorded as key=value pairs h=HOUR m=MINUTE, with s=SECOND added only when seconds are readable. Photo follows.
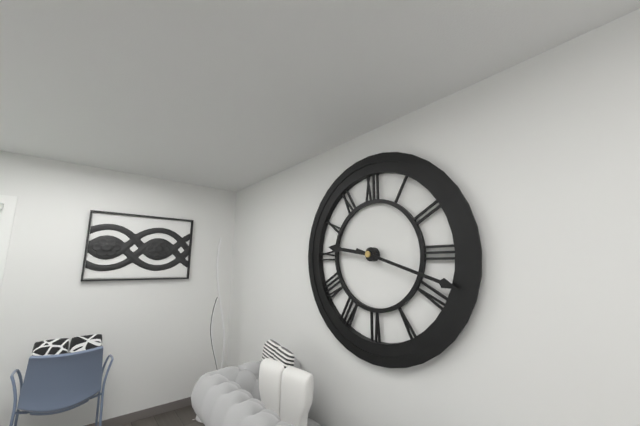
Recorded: h=9 m=18
